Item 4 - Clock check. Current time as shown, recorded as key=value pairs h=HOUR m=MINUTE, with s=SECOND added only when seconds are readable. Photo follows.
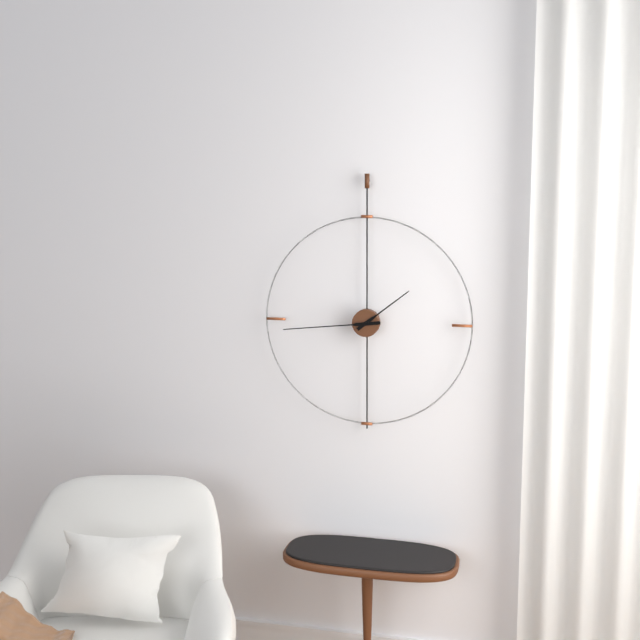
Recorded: h=1 m=44
